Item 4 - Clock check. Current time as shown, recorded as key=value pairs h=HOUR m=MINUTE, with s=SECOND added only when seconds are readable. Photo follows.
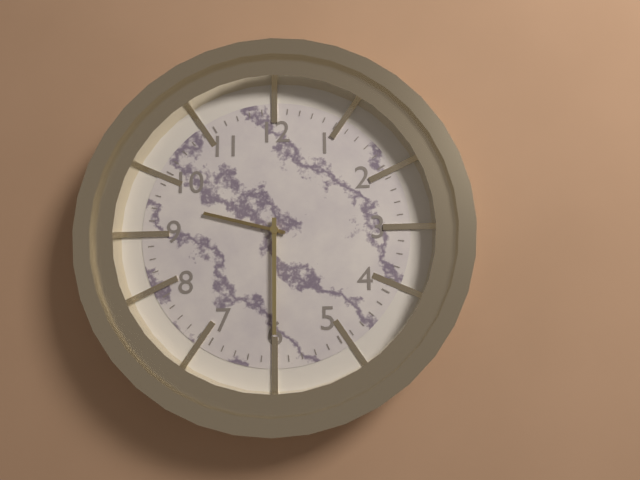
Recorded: h=9 m=30
